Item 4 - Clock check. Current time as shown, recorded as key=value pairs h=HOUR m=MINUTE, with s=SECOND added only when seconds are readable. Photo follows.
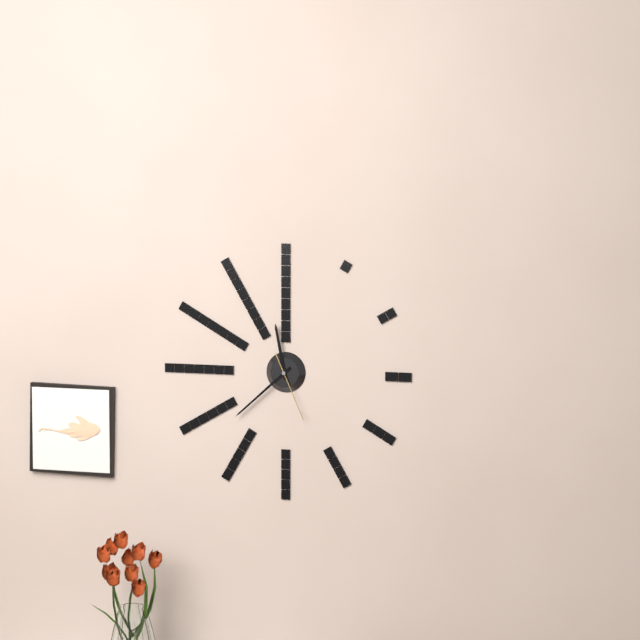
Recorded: h=11 m=38 s=26
